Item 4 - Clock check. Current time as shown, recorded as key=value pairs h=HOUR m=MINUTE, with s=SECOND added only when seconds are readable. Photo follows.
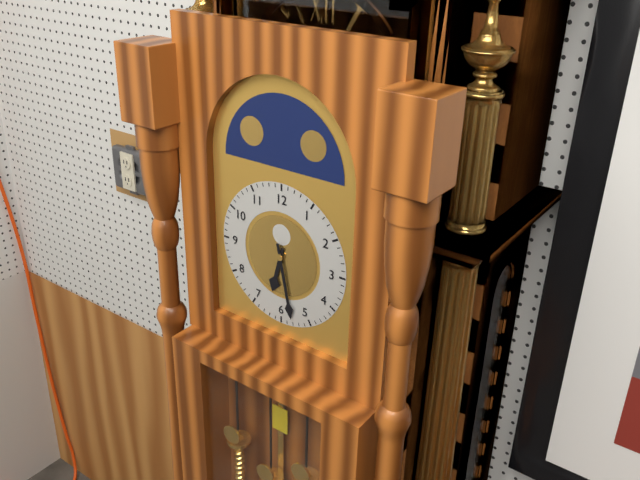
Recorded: h=6 m=28
